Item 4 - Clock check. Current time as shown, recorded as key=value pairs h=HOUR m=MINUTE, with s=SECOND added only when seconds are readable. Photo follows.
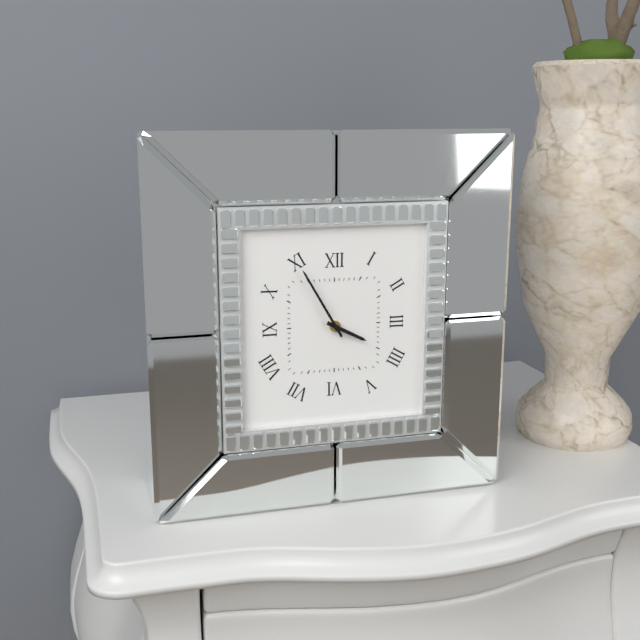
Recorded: h=3 m=55
